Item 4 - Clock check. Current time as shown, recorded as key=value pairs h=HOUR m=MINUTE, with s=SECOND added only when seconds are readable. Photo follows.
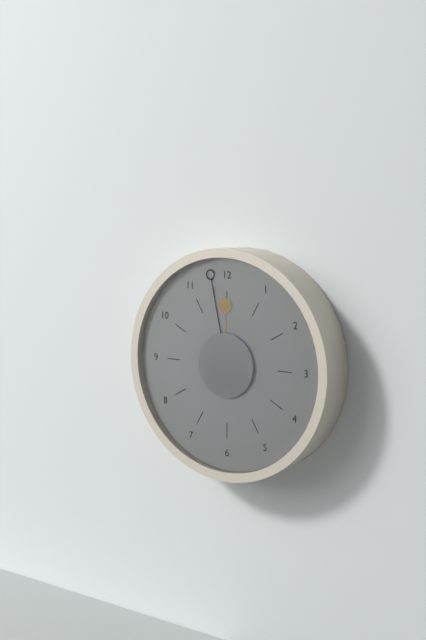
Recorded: h=11 m=58
